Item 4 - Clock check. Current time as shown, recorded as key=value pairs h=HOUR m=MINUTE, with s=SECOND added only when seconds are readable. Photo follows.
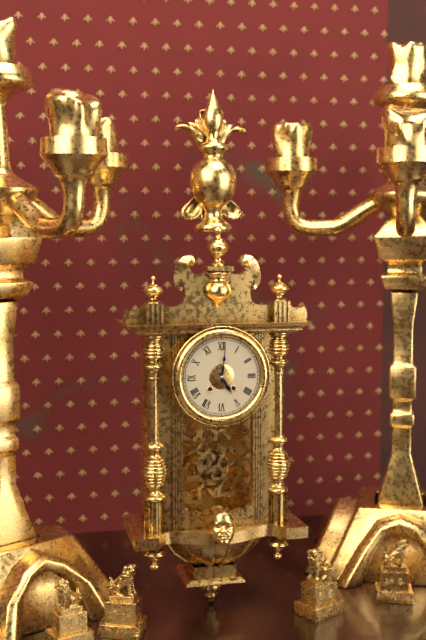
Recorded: h=5 m=1
